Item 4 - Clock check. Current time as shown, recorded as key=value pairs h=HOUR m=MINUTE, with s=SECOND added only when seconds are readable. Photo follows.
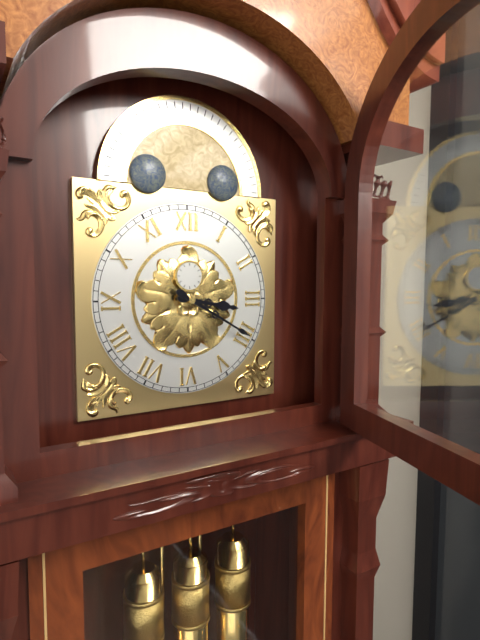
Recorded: h=3 m=20
